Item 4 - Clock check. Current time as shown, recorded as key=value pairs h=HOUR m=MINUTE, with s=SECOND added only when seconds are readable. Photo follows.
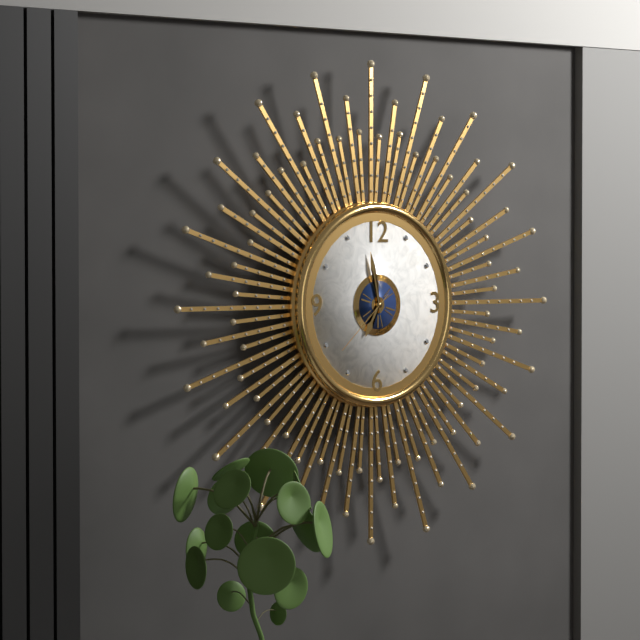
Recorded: h=6 m=58 s=38
